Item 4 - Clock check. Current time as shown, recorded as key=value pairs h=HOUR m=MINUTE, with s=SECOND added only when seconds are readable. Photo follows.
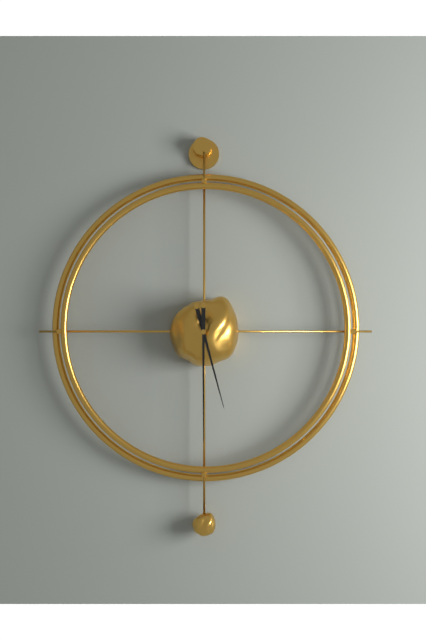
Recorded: h=5 m=30
